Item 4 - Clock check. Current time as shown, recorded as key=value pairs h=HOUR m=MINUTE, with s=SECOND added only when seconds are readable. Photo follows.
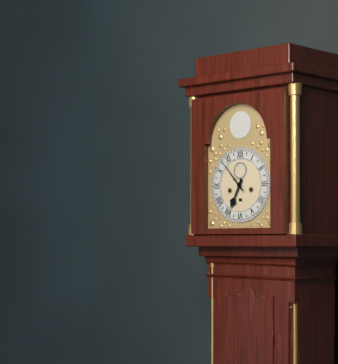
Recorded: h=6 m=53
